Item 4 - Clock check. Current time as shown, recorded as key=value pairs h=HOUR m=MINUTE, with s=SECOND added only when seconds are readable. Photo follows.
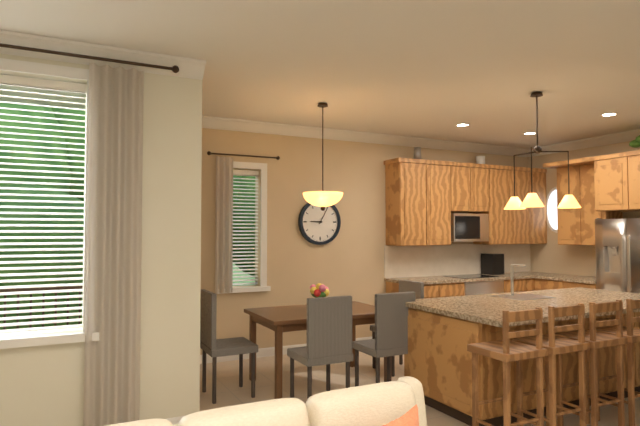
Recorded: h=9 m=5
